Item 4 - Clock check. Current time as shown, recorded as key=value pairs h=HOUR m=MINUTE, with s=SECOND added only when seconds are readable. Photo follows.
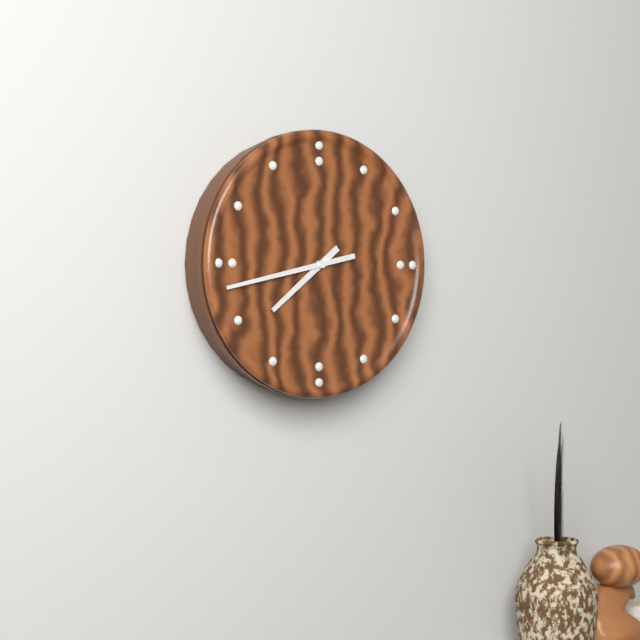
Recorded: h=7 m=43
